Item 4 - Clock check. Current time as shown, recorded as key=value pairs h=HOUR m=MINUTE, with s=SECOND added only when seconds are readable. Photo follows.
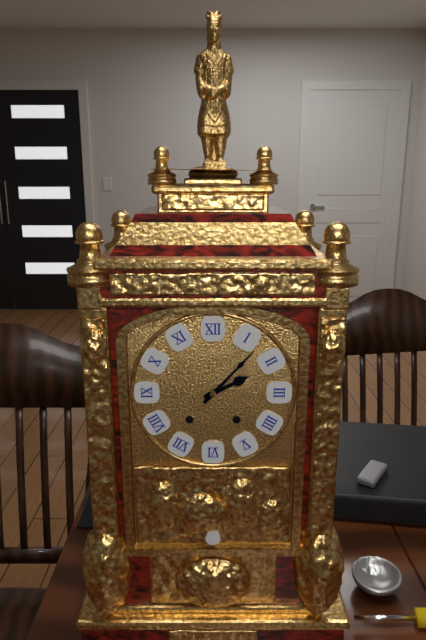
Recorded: h=2 m=7
